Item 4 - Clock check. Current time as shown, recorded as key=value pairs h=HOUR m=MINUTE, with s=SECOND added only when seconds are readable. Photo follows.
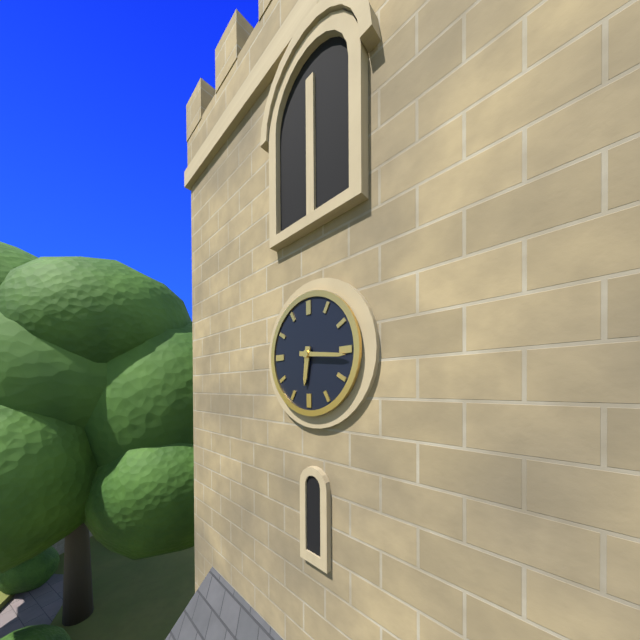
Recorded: h=6 m=16
